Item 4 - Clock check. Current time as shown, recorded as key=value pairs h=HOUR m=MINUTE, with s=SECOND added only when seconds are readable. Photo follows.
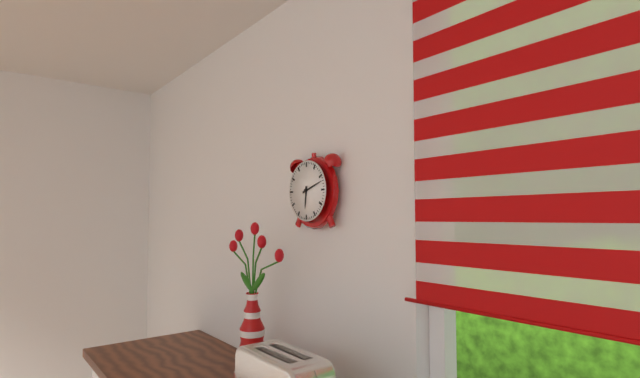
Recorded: h=6 m=12
